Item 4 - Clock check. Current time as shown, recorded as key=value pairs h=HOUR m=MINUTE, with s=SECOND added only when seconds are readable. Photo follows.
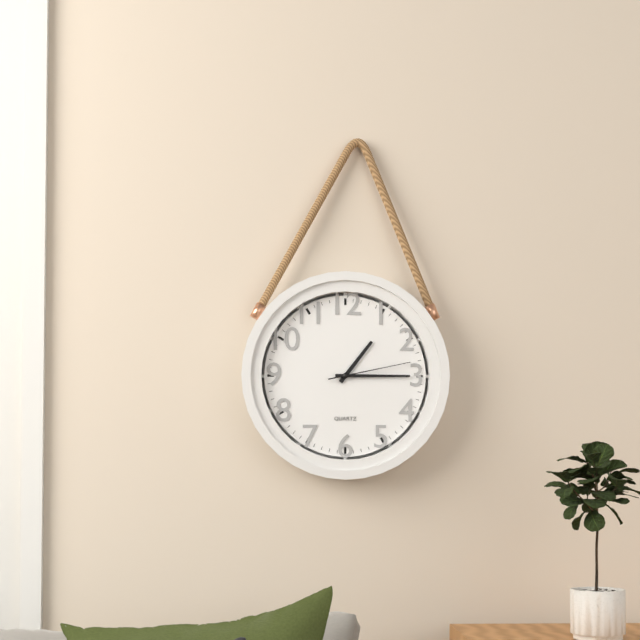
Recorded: h=1 m=15 s=13
